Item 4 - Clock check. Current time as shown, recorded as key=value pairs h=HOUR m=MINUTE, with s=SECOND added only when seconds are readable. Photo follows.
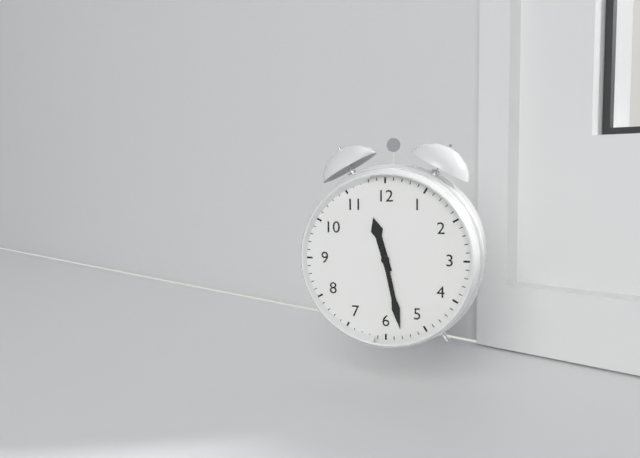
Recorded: h=11 m=28
